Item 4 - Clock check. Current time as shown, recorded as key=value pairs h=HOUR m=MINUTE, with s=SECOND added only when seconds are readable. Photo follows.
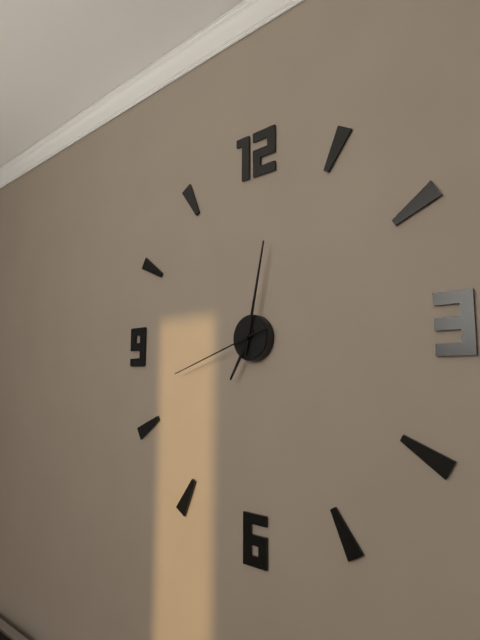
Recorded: h=7 m=2 s=42
